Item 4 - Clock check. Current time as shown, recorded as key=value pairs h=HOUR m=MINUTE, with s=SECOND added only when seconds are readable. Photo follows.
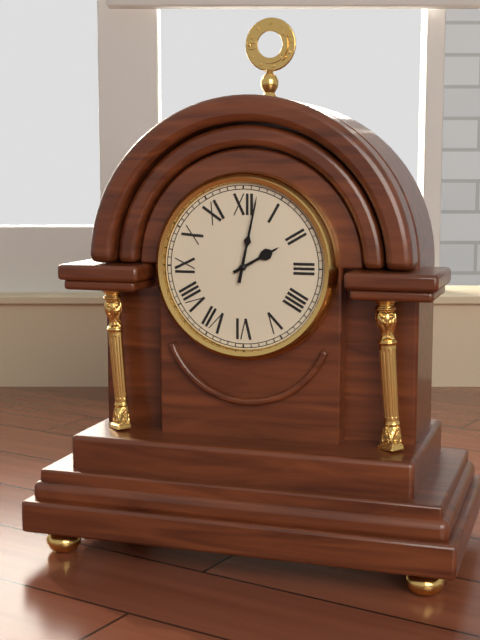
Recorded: h=2 m=2
